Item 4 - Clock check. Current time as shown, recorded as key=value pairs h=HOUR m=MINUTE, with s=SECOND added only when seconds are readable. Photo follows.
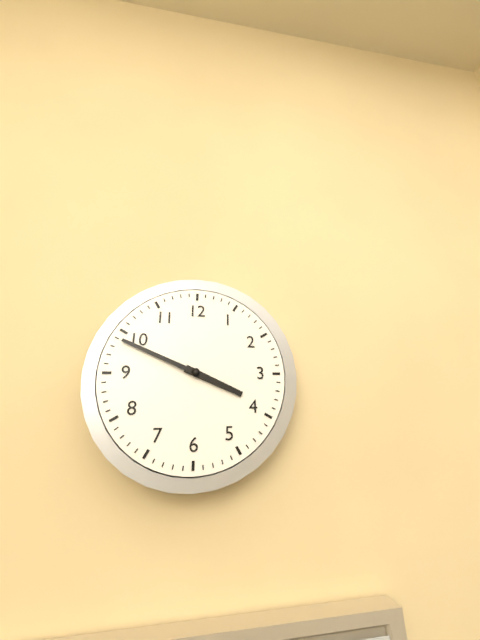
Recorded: h=3 m=49
